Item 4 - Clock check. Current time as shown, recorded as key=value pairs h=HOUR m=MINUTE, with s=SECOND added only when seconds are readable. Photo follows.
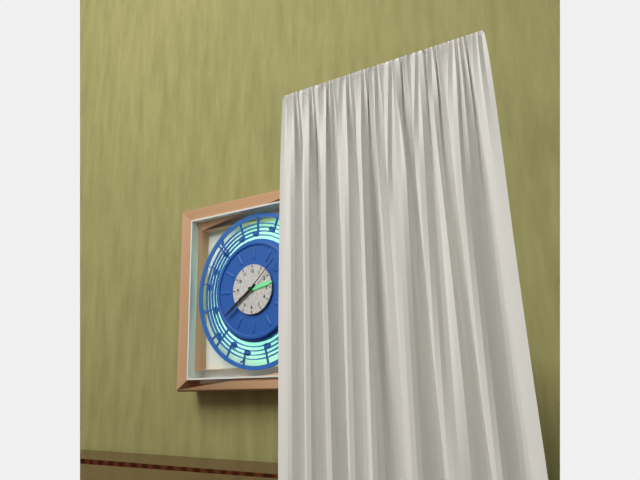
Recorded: h=2 m=39
